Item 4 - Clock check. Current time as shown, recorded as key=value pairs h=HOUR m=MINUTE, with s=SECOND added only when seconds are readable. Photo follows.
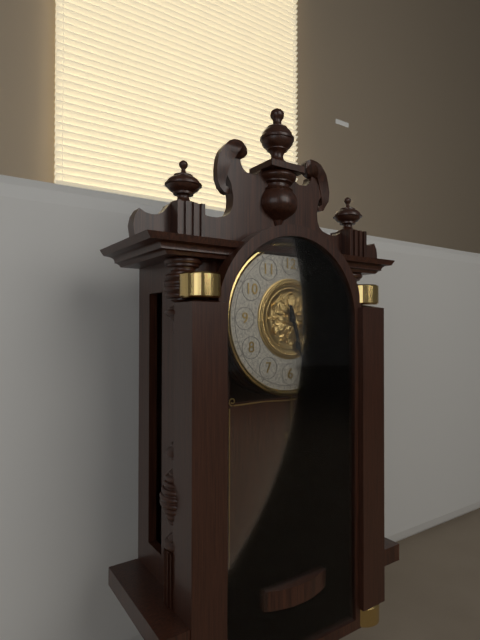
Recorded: h=5 m=27
